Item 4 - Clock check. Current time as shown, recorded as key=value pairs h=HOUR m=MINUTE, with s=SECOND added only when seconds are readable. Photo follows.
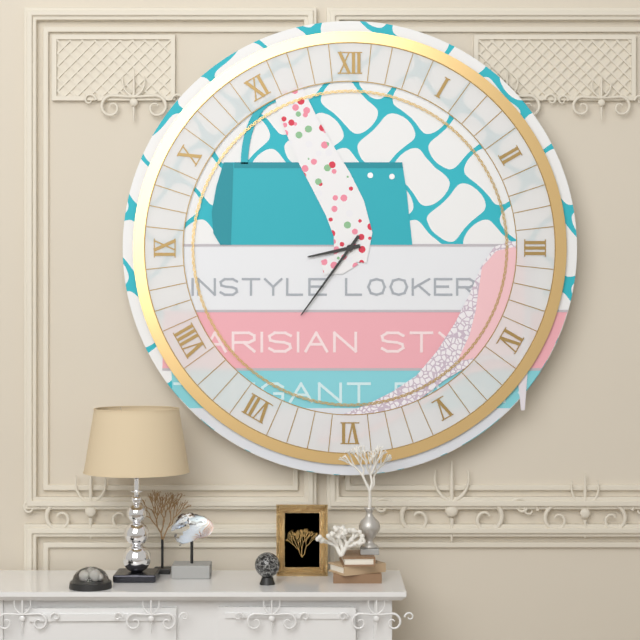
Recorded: h=8 m=36
